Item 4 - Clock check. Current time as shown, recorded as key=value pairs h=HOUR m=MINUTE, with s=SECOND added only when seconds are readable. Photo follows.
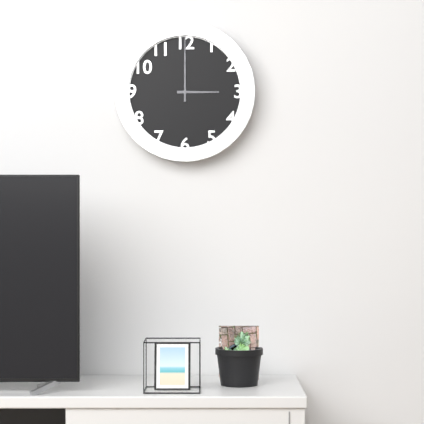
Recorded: h=3 m=0
